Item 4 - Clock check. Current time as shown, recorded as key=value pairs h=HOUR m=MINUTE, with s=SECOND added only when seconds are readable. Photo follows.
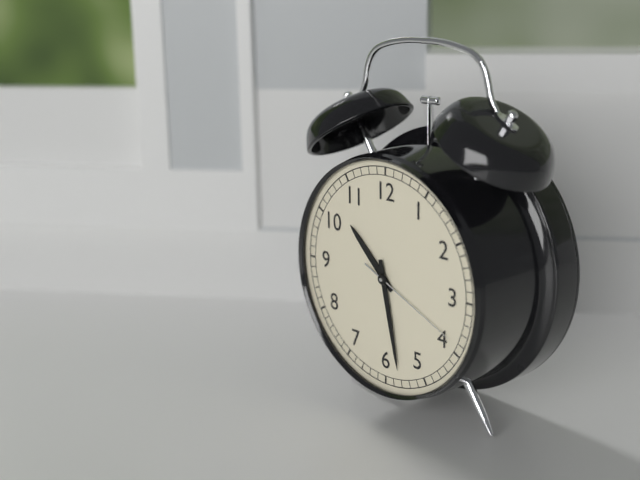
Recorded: h=10 m=28 s=19
